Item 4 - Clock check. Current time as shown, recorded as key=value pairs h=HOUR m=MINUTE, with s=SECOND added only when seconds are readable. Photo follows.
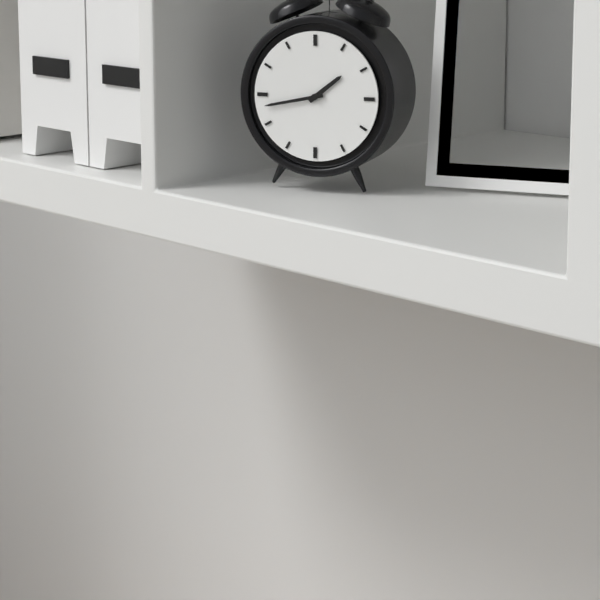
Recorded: h=1 m=43
